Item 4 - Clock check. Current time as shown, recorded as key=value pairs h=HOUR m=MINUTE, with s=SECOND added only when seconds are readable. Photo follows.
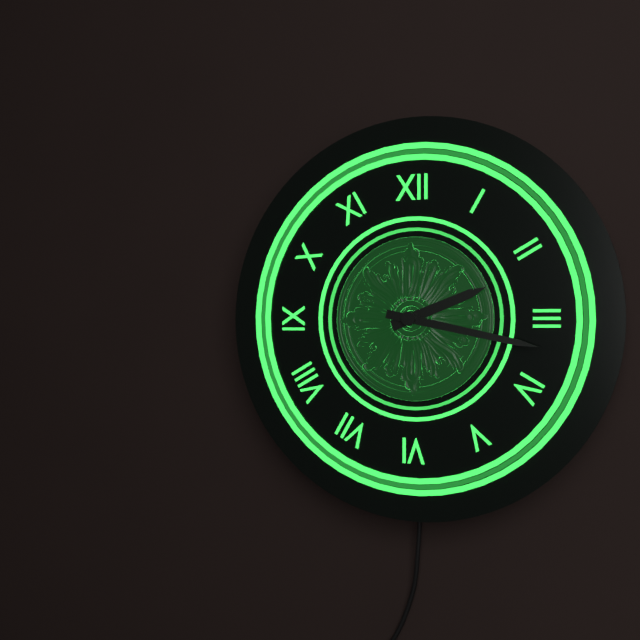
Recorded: h=2 m=17
